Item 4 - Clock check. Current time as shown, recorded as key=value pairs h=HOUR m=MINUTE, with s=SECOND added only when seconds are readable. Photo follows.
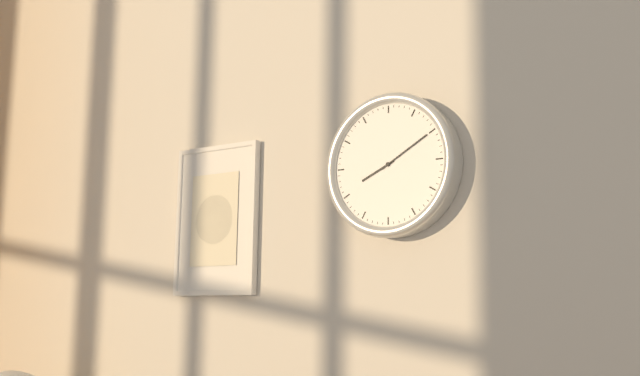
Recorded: h=8 m=10
